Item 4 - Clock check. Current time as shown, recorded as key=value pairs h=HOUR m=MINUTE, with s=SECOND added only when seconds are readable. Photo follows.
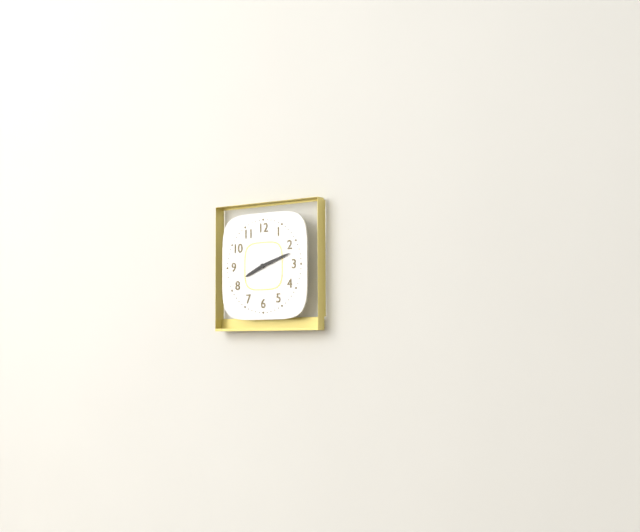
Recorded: h=8 m=12
